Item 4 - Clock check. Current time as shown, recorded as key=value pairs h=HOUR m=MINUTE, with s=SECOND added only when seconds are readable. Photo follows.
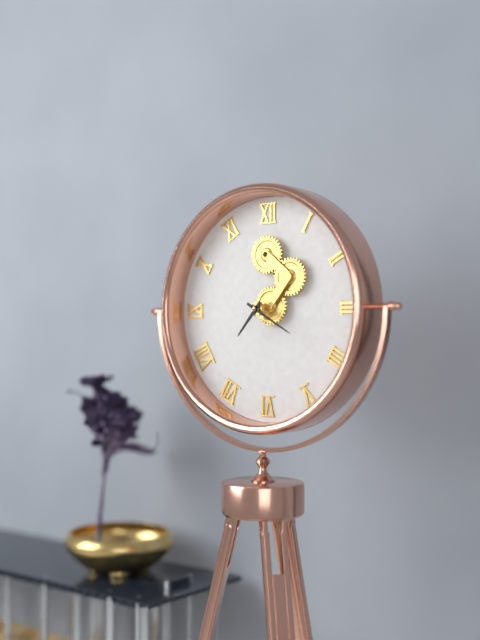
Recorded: h=7 m=20
